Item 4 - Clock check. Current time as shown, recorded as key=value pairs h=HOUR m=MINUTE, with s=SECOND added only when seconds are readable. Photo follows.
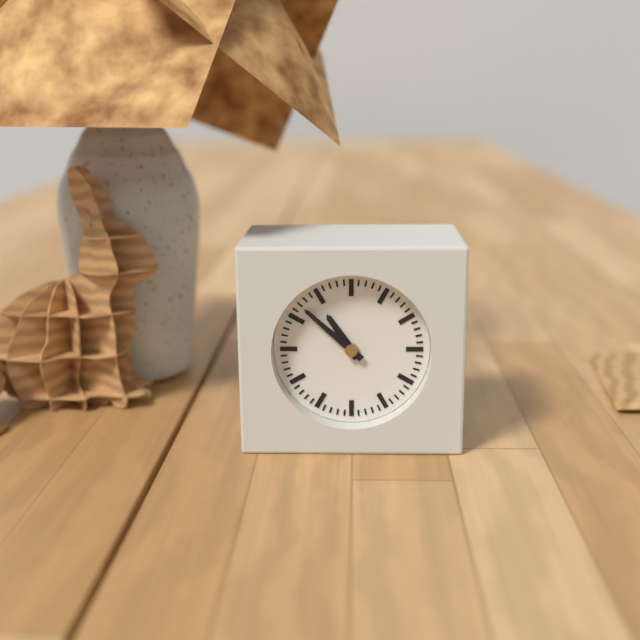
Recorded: h=10 m=52
